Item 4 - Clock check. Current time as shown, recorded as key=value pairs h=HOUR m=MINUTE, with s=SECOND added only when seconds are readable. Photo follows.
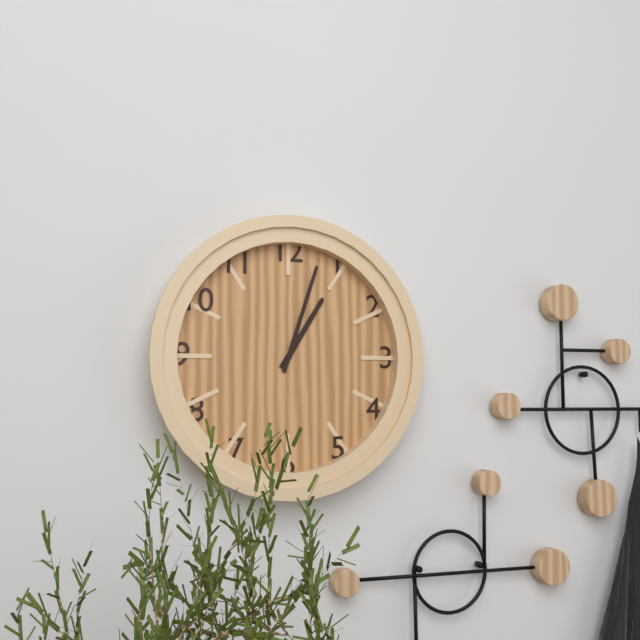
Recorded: h=1 m=3
